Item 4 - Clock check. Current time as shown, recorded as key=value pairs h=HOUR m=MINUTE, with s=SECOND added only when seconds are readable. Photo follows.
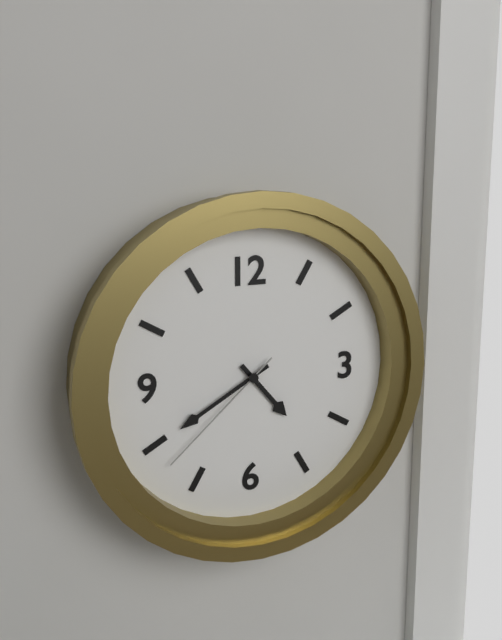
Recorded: h=4 m=40 s=38
